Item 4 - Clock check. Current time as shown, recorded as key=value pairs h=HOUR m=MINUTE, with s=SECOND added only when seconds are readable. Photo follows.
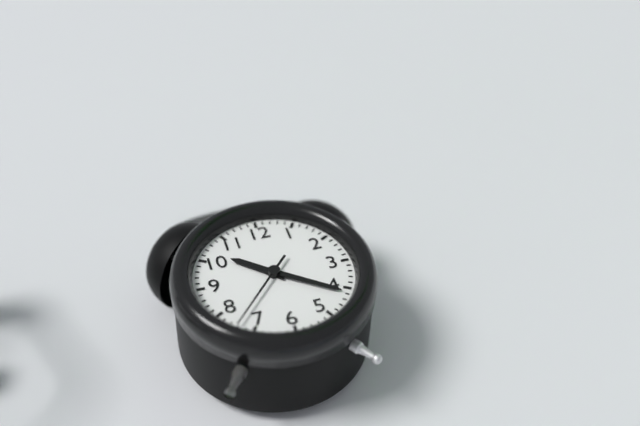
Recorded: h=10 m=21 s=37
